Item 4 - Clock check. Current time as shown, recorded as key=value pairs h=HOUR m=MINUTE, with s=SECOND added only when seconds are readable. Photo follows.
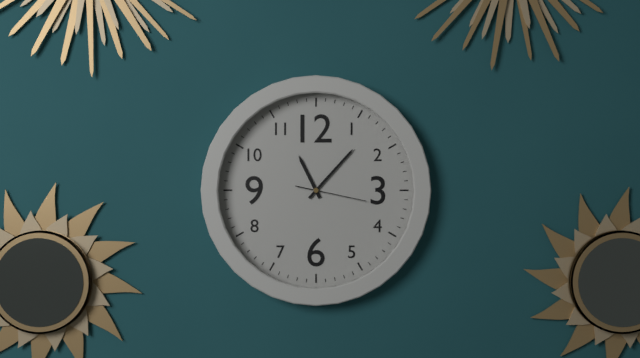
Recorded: h=11 m=7 s=17
